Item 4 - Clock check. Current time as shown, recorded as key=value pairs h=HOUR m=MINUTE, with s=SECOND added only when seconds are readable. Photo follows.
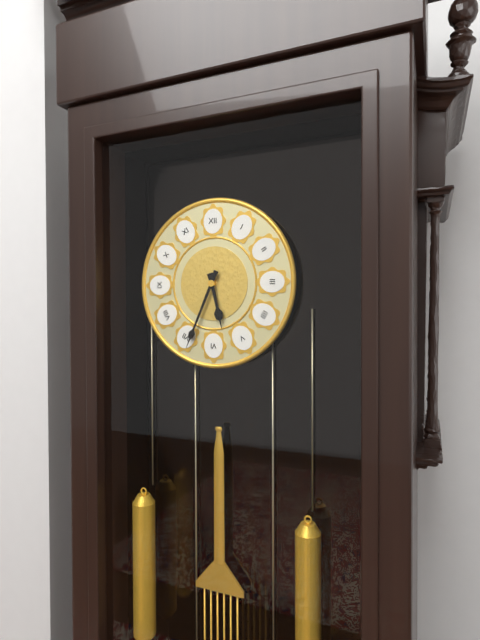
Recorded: h=5 m=34
